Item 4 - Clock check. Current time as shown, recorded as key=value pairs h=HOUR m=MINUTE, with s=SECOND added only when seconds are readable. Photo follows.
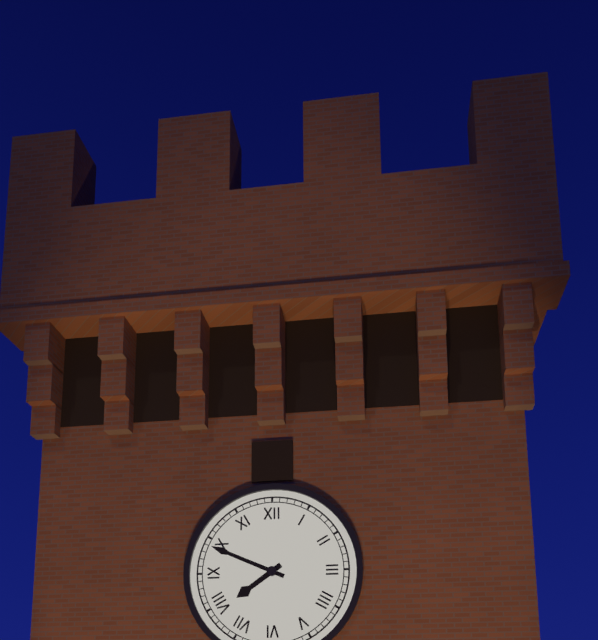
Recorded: h=7 m=49
